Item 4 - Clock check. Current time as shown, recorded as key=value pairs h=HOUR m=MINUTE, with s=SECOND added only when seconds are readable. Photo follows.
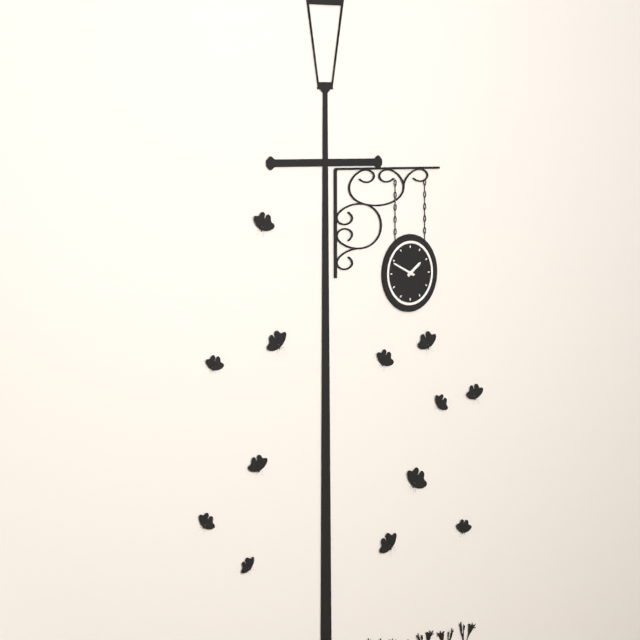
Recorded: h=1 m=49
